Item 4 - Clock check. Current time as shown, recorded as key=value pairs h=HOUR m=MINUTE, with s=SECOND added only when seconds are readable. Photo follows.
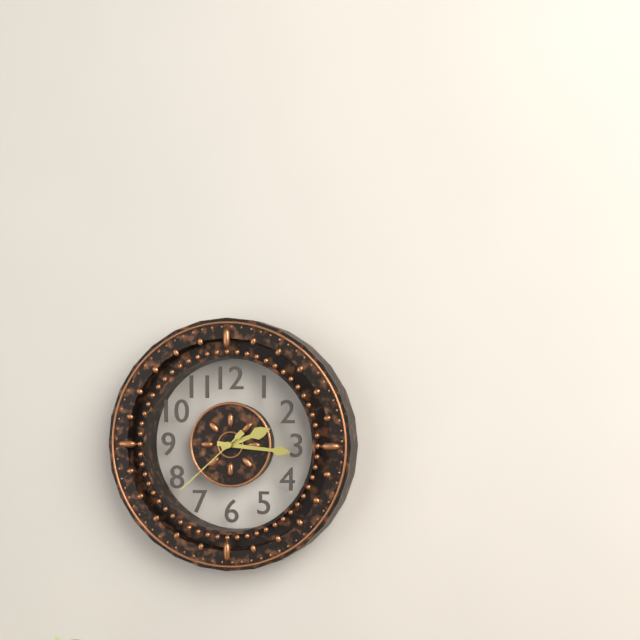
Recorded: h=2 m=16 s=38
